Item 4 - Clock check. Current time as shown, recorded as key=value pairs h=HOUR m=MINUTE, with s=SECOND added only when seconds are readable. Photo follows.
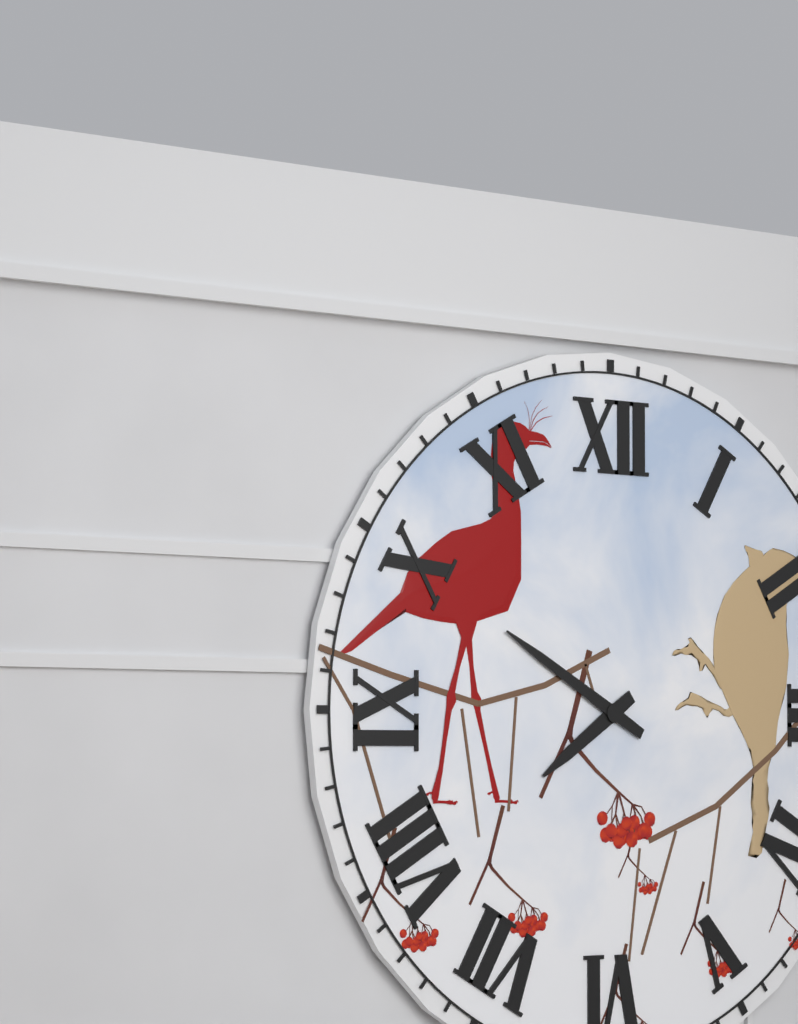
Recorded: h=7 m=50
